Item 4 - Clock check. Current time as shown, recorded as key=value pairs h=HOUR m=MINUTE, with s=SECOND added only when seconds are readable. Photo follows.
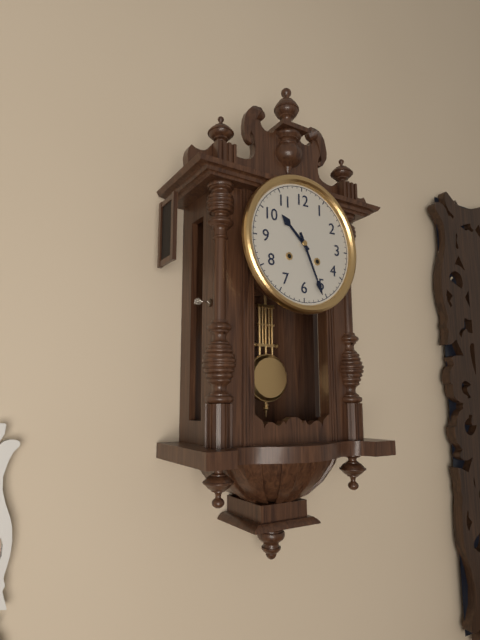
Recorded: h=10 m=26
